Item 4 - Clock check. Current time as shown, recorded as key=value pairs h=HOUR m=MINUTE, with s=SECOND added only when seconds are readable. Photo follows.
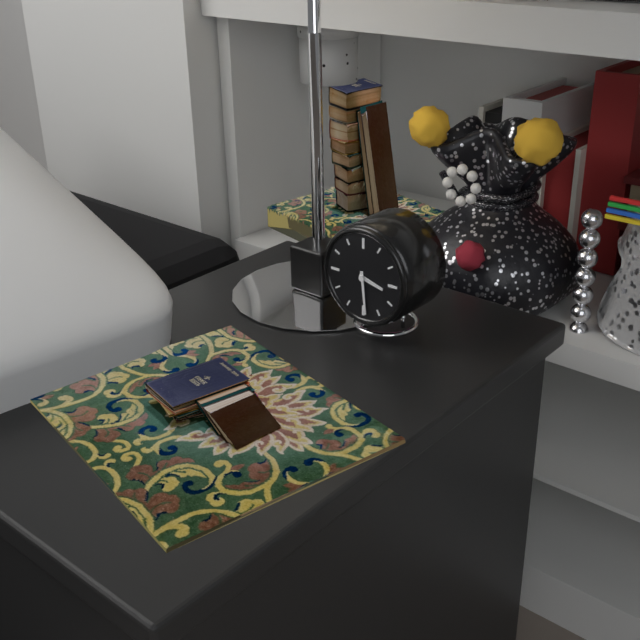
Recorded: h=3 m=29
